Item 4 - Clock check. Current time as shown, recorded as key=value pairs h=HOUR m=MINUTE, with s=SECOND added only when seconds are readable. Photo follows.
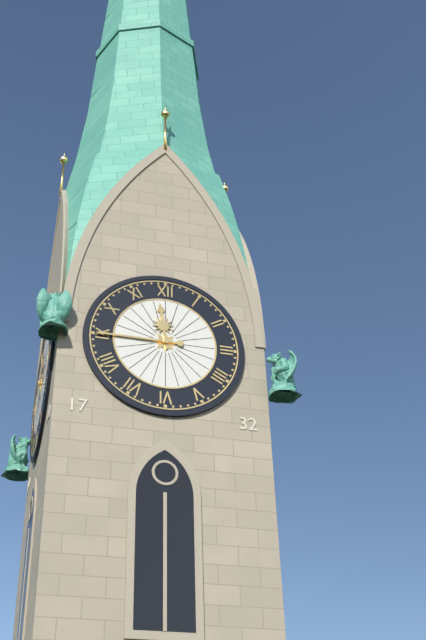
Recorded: h=11 m=45
